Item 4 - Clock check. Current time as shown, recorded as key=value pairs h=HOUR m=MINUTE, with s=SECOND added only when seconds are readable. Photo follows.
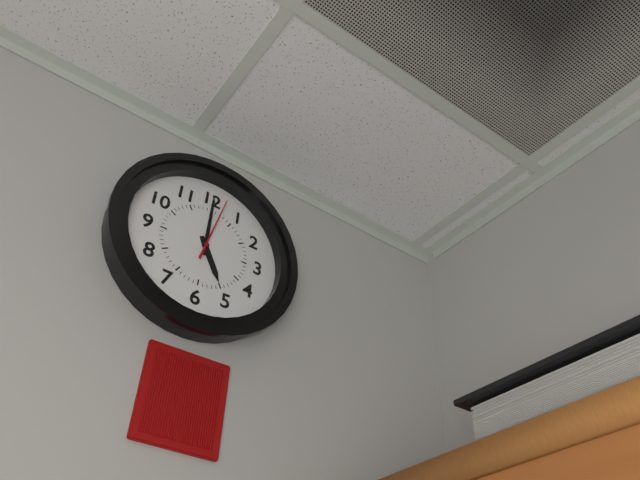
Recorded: h=5 m=0 s=2
